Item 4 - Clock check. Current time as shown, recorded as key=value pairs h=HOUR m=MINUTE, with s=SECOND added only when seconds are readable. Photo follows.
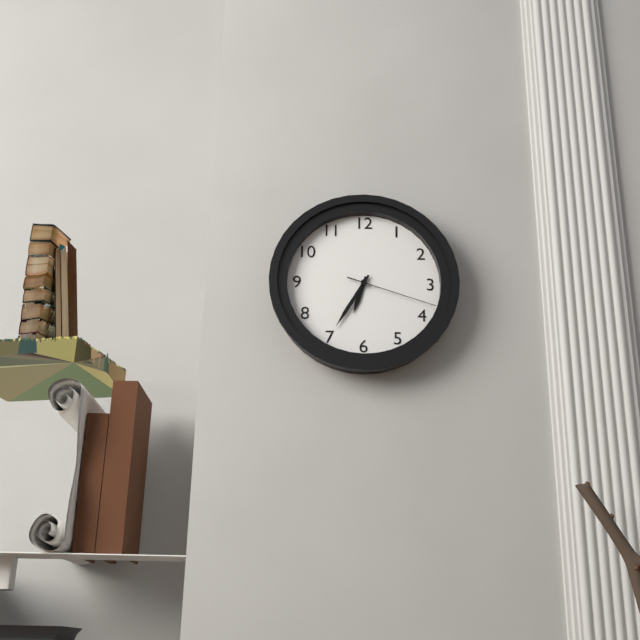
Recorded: h=6 m=35 s=18
